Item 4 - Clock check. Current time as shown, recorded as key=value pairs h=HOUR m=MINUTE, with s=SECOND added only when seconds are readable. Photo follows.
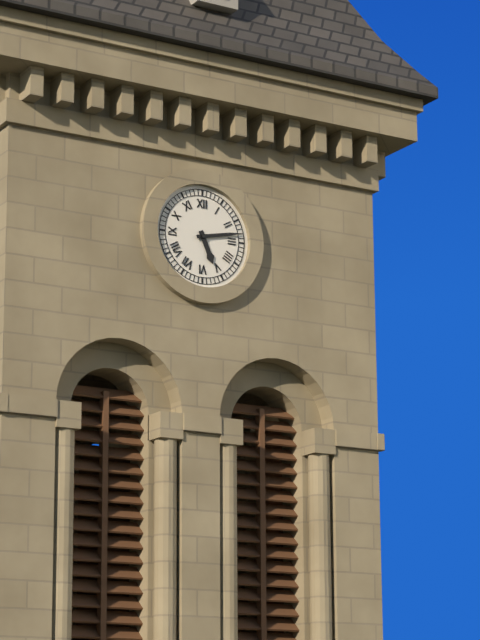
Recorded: h=5 m=13
